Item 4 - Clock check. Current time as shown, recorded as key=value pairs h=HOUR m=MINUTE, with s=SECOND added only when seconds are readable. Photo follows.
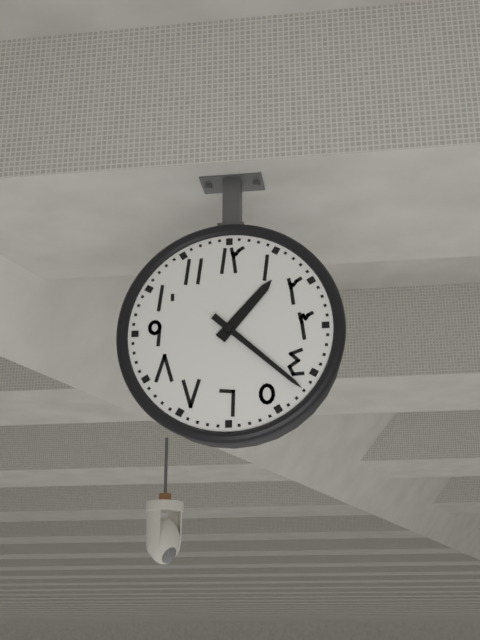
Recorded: h=1 m=22
